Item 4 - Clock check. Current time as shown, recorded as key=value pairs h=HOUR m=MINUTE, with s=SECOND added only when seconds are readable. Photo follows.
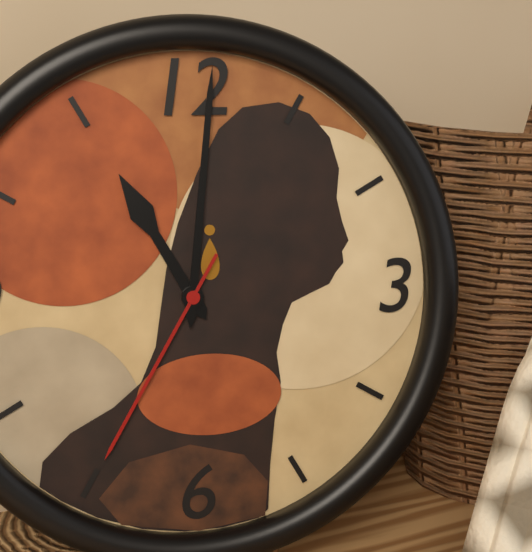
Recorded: h=11 m=1 s=35
